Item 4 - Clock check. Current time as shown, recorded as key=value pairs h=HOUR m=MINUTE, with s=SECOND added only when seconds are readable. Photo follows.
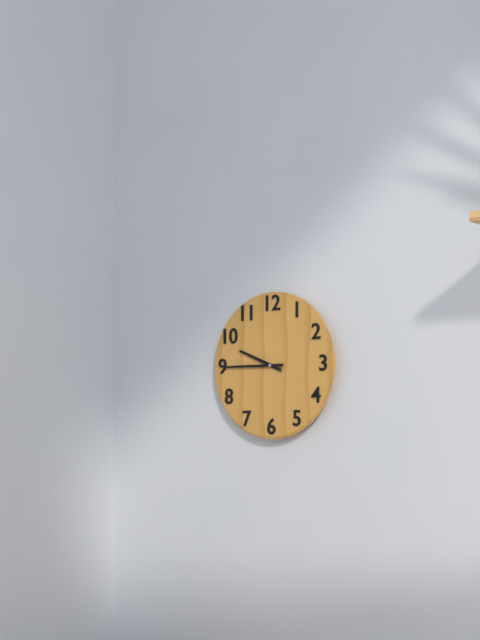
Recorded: h=9 m=45
